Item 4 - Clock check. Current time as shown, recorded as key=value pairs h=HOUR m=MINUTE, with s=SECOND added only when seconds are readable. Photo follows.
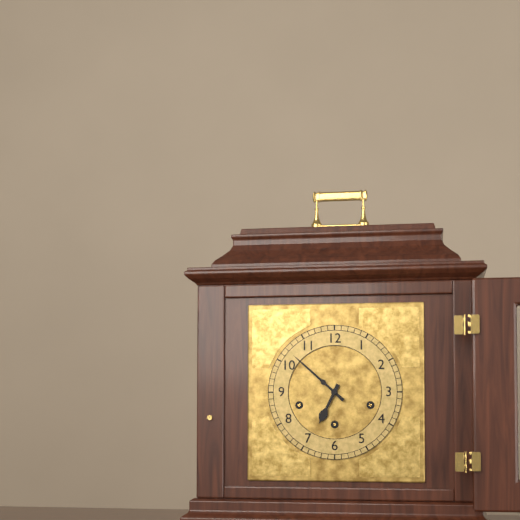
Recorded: h=6 m=52
